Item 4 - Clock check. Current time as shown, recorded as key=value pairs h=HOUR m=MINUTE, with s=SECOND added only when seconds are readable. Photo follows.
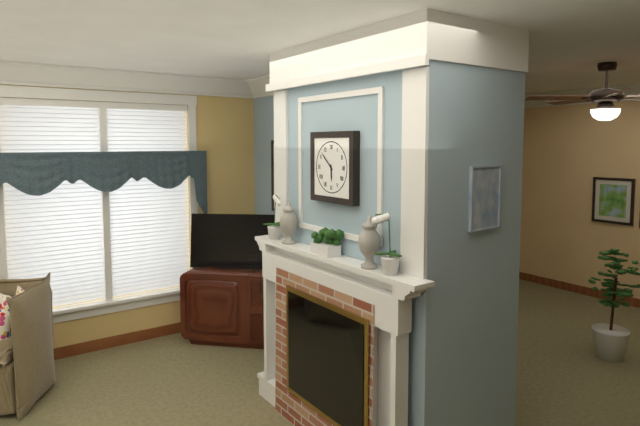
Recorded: h=5 m=52
